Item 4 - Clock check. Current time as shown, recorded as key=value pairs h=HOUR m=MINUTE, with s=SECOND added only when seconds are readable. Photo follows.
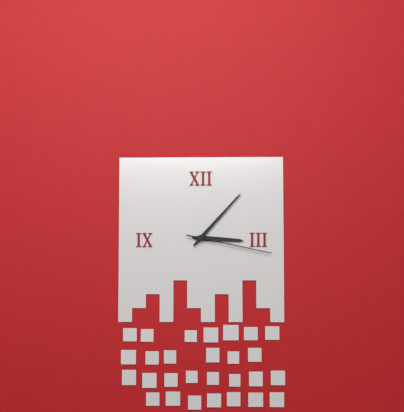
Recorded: h=3 m=7 s=17
